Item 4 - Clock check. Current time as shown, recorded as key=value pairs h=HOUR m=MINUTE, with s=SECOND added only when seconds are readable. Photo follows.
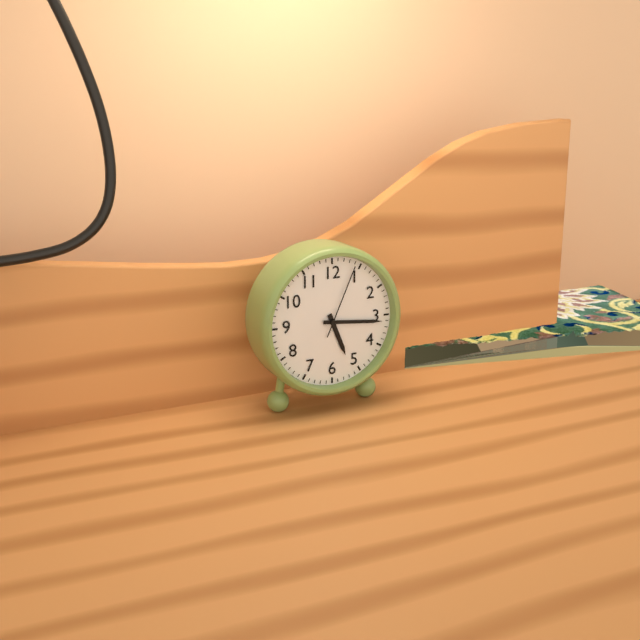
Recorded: h=5 m=16 s=4
